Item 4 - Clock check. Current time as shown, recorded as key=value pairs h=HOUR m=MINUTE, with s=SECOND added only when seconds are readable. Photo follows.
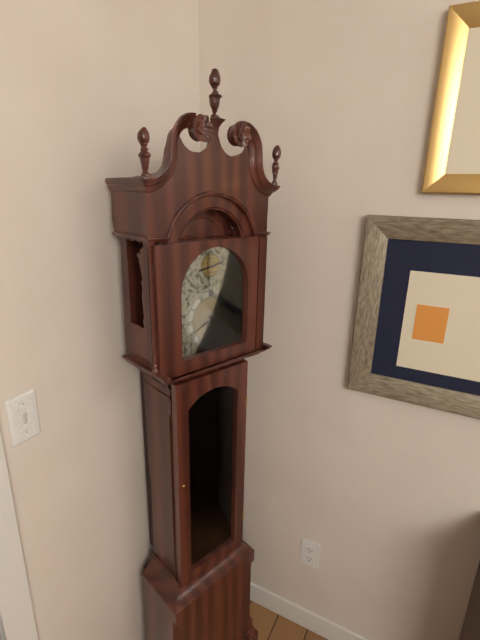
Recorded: h=4 m=41
